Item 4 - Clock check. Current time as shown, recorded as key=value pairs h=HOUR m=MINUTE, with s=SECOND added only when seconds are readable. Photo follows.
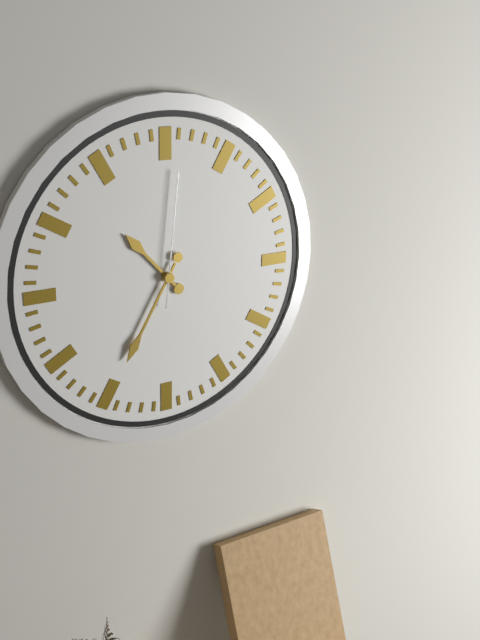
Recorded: h=10 m=35 s=1
